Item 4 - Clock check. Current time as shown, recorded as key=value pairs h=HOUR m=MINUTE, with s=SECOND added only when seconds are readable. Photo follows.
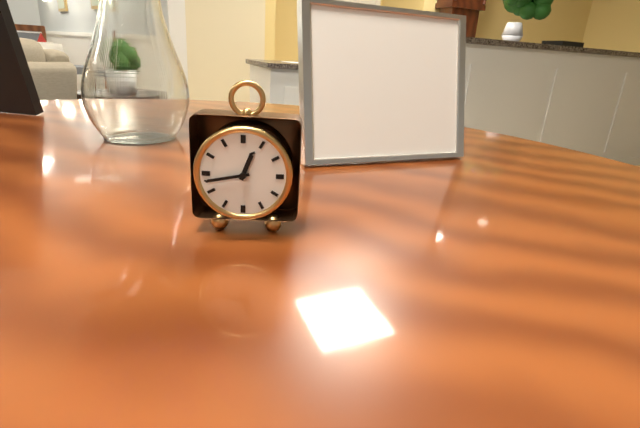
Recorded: h=12 m=43
